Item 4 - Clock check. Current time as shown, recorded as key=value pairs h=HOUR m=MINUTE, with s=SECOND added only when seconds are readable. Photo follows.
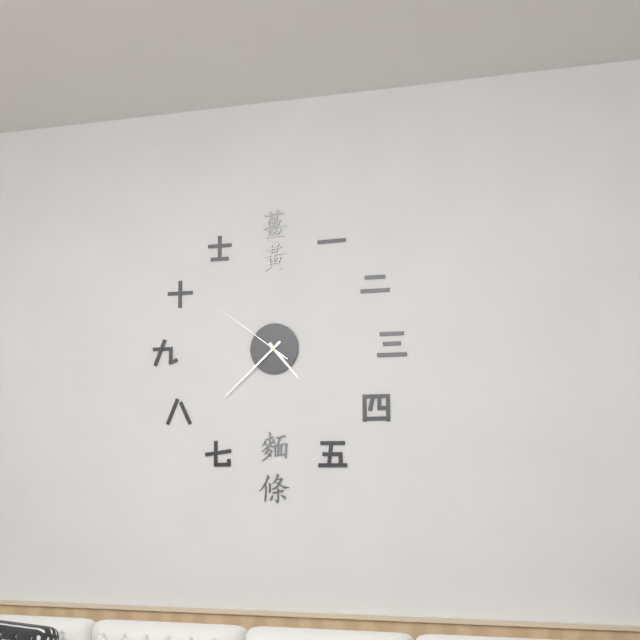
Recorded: h=4 m=38 s=51
